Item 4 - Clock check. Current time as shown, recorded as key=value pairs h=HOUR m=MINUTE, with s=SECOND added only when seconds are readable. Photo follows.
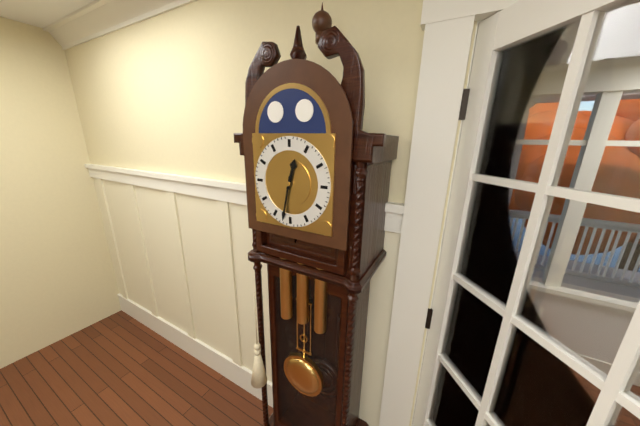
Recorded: h=12 m=32
